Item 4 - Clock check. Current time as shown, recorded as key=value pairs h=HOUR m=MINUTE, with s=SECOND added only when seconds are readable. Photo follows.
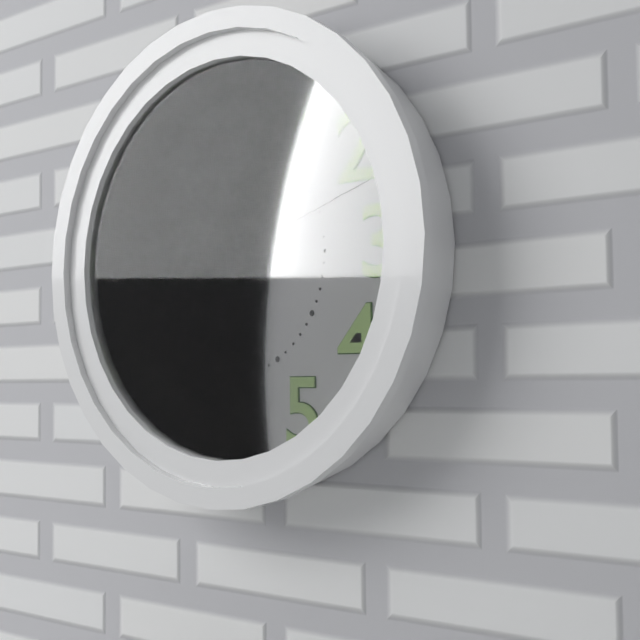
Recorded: h=10 m=42 s=12
